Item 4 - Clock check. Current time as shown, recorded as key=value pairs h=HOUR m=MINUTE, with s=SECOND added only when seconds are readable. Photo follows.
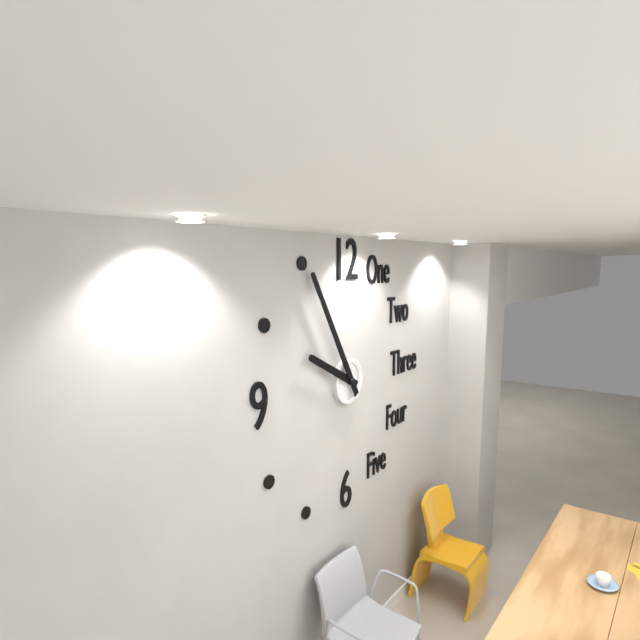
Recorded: h=9 m=55
